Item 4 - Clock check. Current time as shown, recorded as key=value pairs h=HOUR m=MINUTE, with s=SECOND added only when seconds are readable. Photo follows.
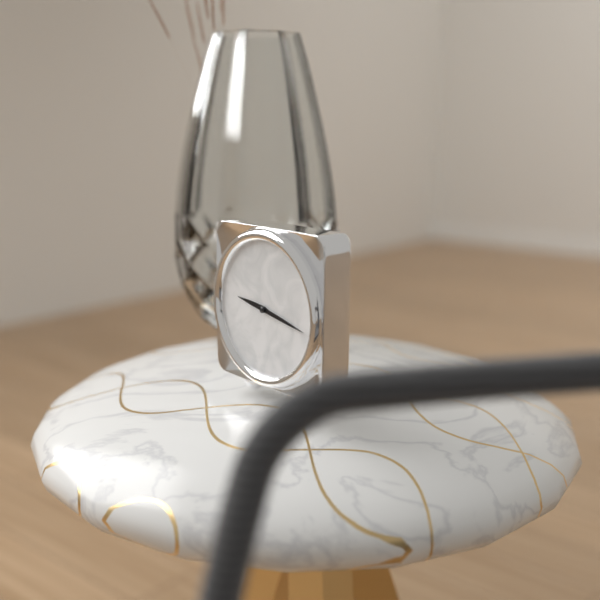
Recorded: h=9 m=17
